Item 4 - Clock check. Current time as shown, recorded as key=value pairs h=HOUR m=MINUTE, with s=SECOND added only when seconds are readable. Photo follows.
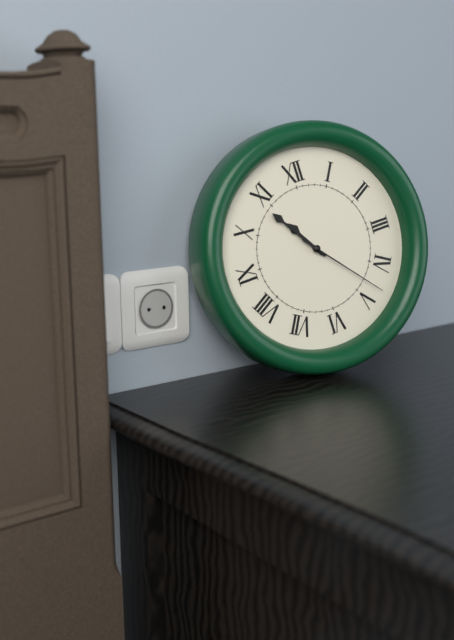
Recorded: h=10 m=54 s=23
